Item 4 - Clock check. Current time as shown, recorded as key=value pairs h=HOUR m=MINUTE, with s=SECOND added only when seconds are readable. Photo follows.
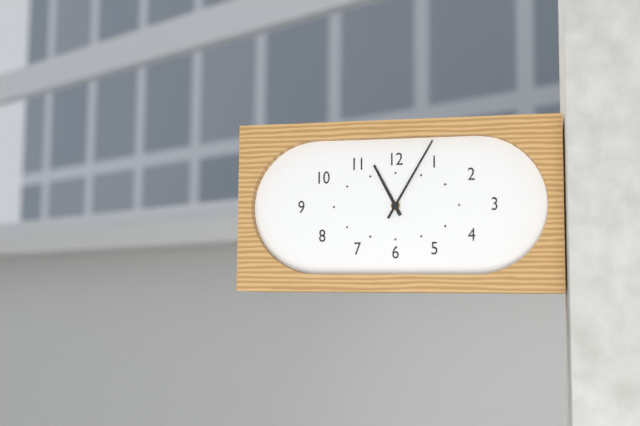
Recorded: h=11 m=5
